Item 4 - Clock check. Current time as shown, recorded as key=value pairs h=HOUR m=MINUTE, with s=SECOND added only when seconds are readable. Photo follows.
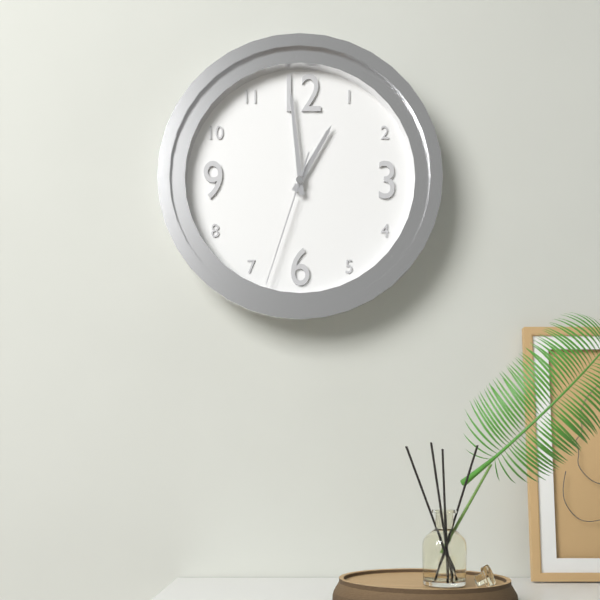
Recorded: h=12 m=59 s=33
